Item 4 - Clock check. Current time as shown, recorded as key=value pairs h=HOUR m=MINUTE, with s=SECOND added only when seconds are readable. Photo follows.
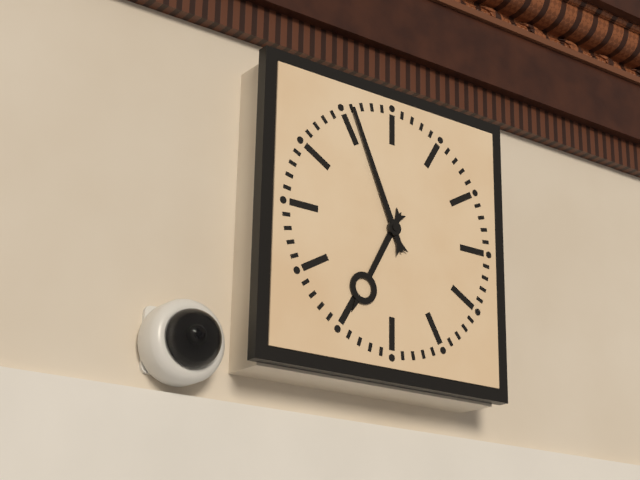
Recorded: h=6 m=56
